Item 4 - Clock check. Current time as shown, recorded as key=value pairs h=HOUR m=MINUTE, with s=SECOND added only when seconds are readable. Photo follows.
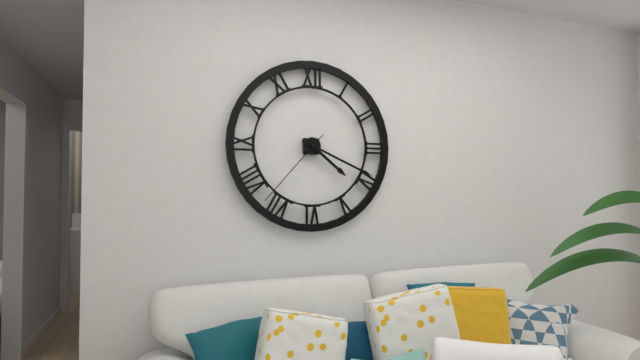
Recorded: h=4 m=19 s=37
